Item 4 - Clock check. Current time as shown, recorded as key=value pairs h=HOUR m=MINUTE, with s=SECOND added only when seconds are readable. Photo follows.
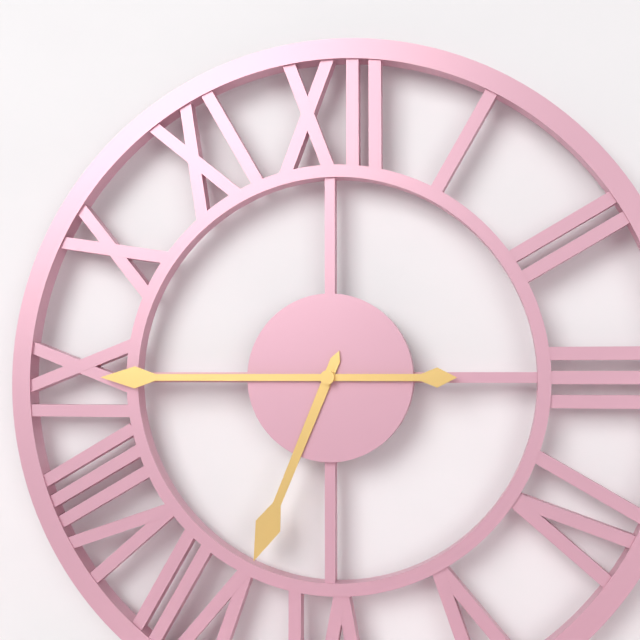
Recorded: h=6 m=45
